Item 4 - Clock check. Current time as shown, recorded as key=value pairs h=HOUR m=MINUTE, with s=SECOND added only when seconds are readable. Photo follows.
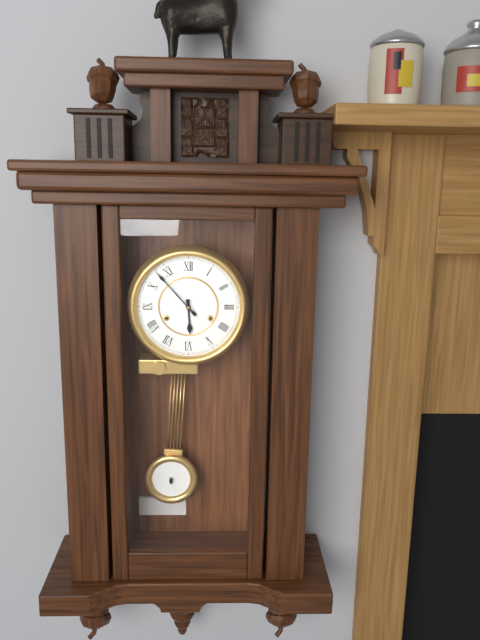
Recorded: h=5 m=53
